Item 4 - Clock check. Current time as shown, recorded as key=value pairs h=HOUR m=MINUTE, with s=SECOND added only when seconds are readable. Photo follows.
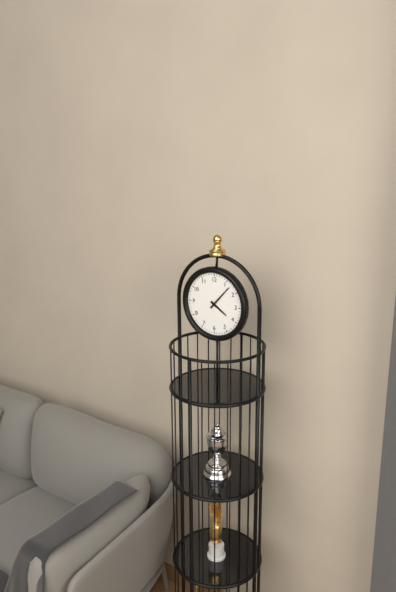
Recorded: h=4 m=7
